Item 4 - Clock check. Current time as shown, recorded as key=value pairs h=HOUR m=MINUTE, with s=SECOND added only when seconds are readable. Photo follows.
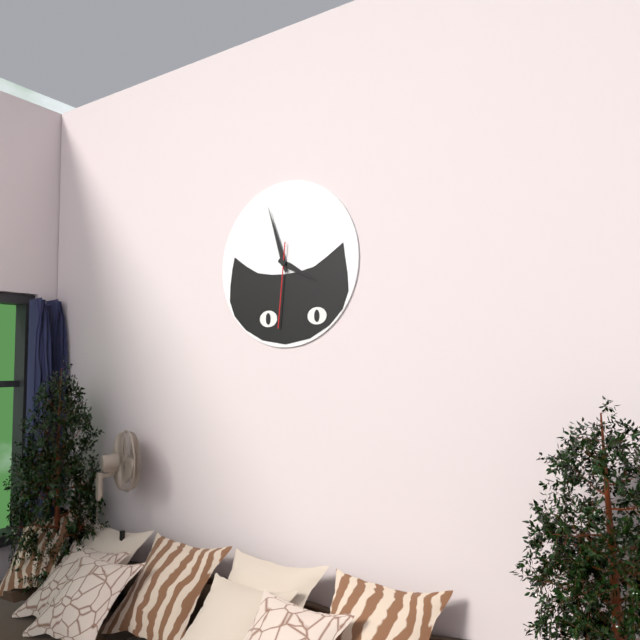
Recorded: h=3 m=57 s=31
